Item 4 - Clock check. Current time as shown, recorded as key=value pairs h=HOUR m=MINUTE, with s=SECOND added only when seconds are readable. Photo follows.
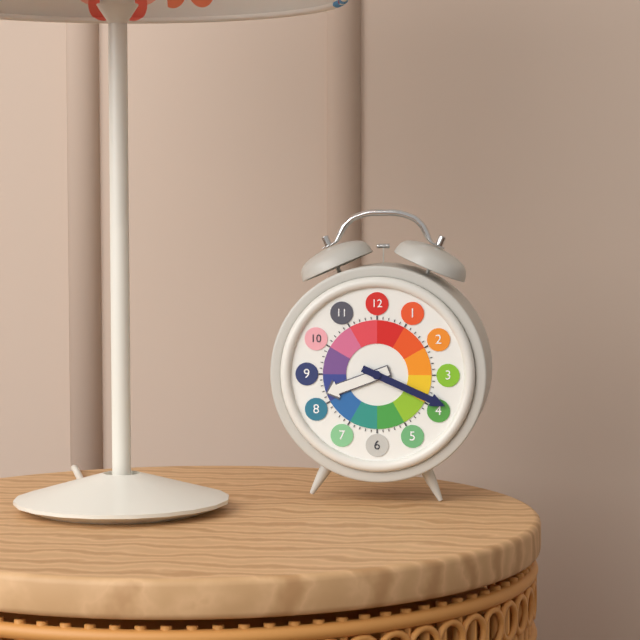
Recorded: h=8 m=19
